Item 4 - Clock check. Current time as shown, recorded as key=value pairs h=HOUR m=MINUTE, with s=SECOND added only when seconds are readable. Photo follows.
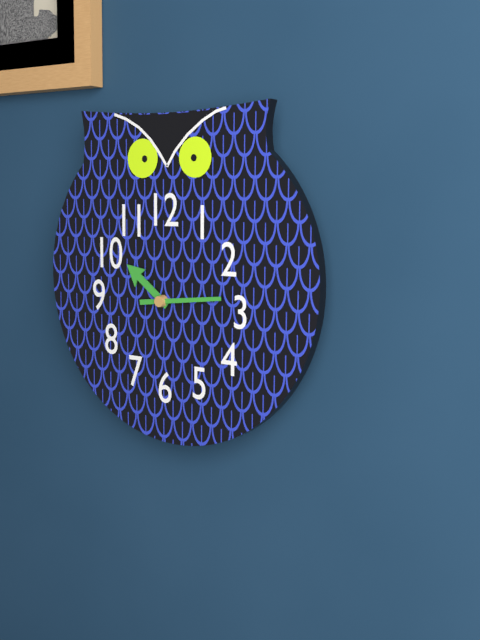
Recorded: h=10 m=14
